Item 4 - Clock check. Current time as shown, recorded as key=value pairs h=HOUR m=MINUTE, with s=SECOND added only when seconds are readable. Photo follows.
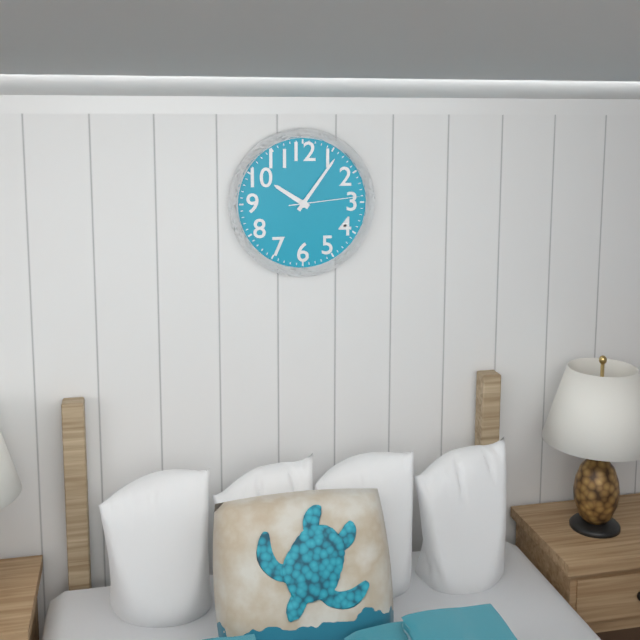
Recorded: h=10 m=6 s=14
